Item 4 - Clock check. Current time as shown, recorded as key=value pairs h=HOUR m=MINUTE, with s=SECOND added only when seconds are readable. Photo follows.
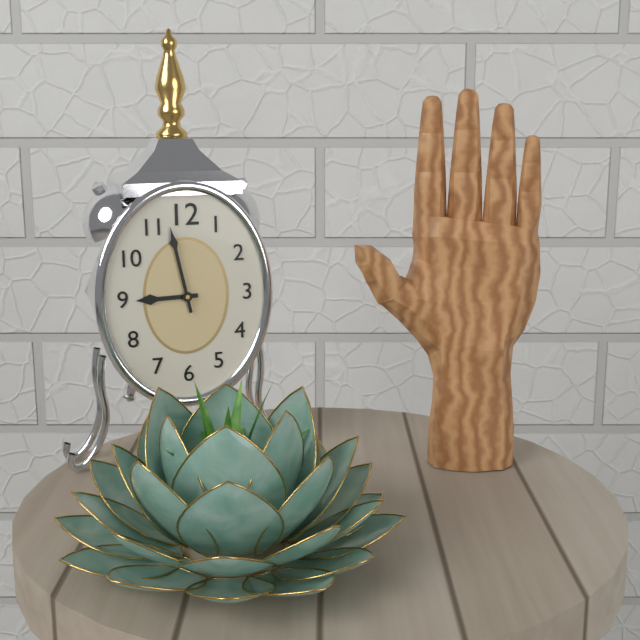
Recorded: h=8 m=58
